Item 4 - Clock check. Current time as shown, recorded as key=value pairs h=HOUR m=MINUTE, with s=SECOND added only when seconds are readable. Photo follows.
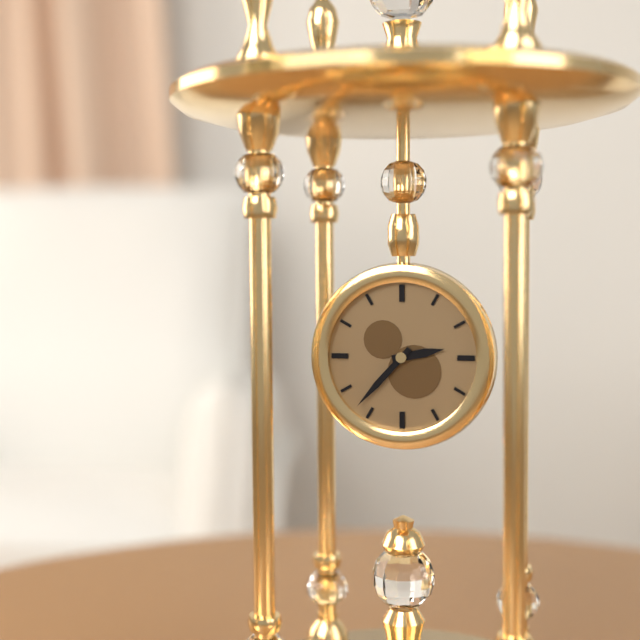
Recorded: h=2 m=37
